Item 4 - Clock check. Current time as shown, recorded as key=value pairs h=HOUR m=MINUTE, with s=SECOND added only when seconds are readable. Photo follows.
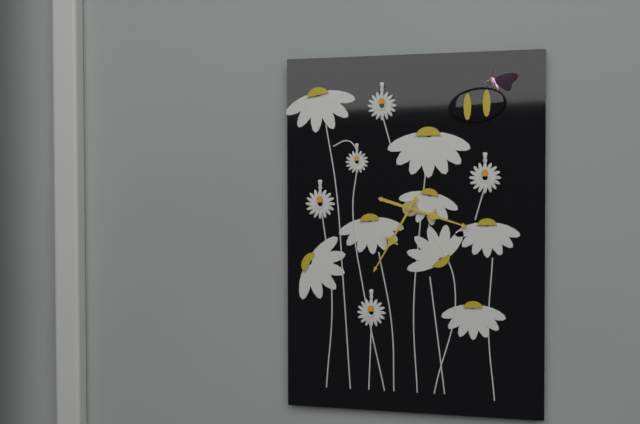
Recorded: h=3 m=35
